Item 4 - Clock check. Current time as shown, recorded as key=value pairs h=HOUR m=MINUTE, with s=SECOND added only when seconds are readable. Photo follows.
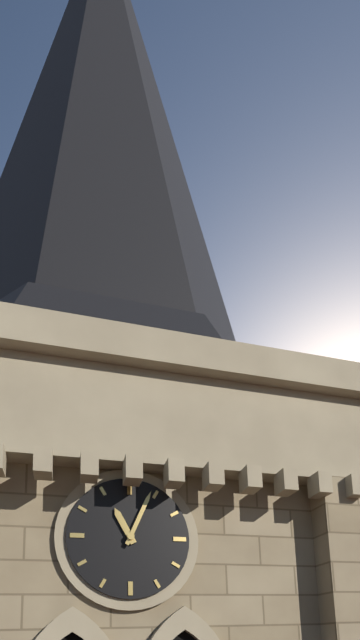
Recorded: h=11 m=4
